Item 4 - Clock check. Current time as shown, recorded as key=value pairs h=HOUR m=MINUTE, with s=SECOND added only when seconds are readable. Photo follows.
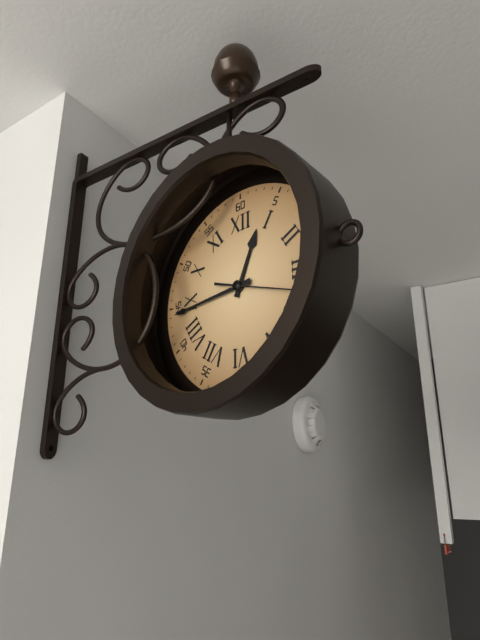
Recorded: h=12 m=44
